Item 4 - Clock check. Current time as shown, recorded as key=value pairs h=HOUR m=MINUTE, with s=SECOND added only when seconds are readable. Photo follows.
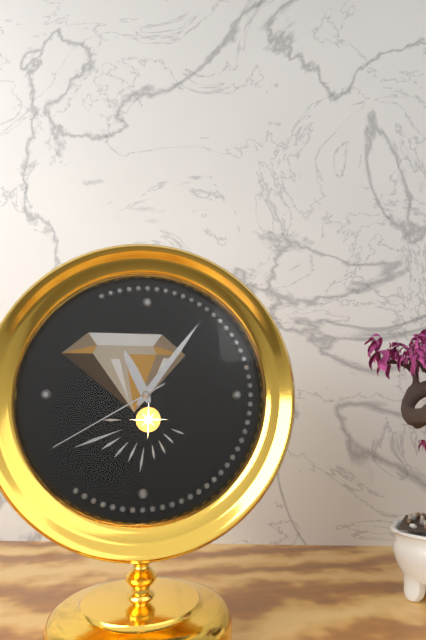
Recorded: h=11 m=6 s=40
